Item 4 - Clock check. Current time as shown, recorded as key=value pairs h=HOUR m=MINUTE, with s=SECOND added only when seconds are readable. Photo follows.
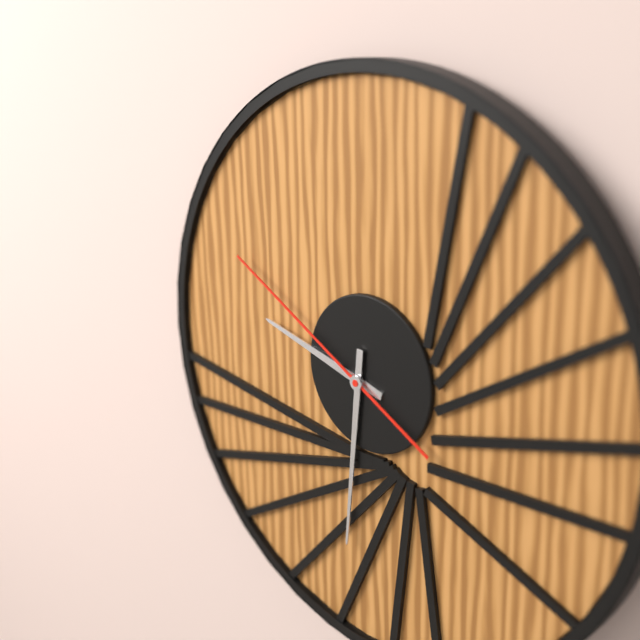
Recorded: h=9 m=31 s=50
